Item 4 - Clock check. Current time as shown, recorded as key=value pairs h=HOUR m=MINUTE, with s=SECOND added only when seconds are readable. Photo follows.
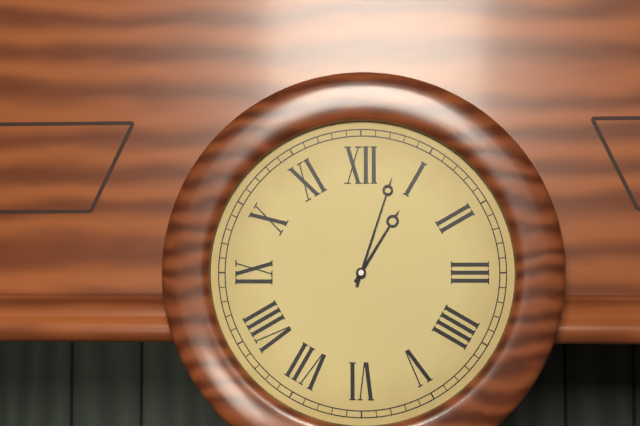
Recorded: h=1 m=3
